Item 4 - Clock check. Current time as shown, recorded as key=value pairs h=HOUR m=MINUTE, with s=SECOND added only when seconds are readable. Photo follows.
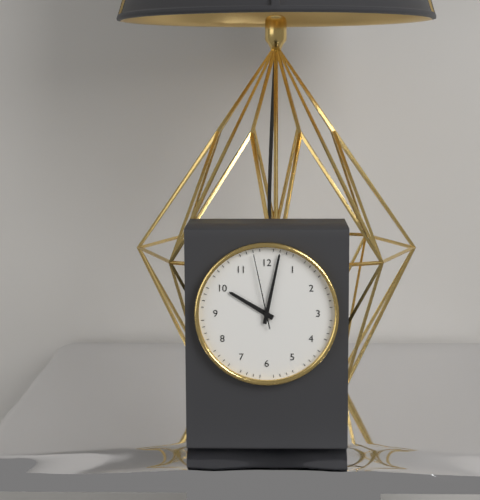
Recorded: h=10 m=2 s=58
